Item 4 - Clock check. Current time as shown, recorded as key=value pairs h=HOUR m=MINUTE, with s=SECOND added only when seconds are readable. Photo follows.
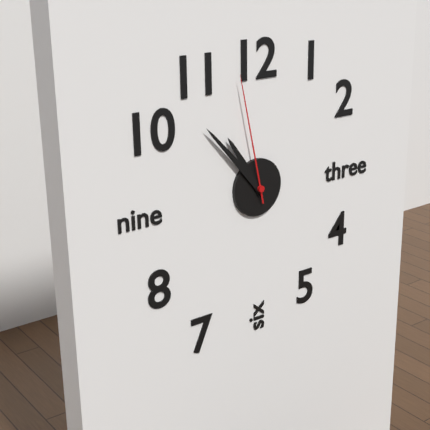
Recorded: h=10 m=53 s=58
